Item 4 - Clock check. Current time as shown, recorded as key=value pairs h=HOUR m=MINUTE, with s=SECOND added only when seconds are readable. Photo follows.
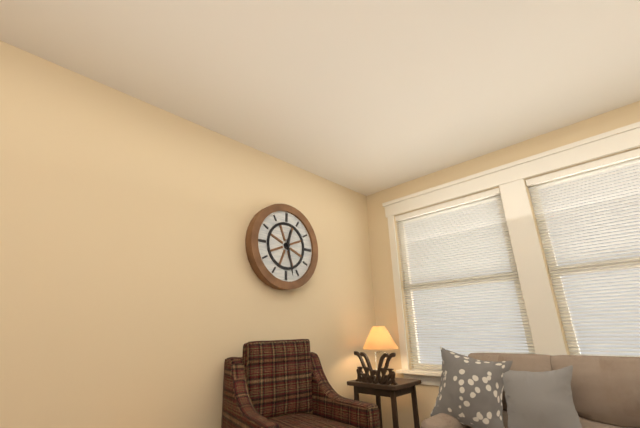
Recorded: h=12 m=28
